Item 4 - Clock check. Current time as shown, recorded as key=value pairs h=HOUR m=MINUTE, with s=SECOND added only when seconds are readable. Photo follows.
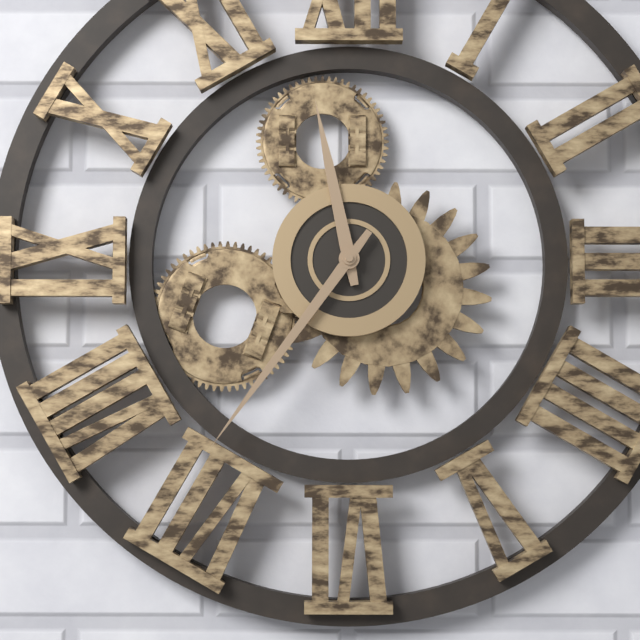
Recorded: h=11 m=36
